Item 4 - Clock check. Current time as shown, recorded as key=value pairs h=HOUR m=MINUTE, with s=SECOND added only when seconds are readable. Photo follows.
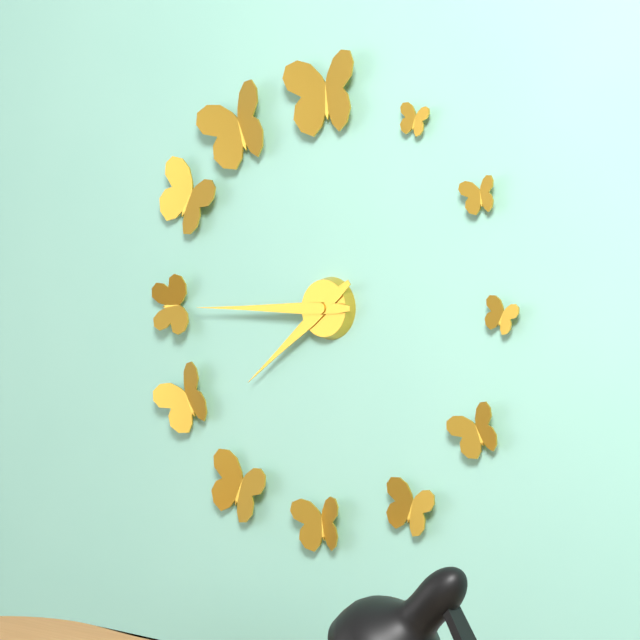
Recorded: h=7 m=45
